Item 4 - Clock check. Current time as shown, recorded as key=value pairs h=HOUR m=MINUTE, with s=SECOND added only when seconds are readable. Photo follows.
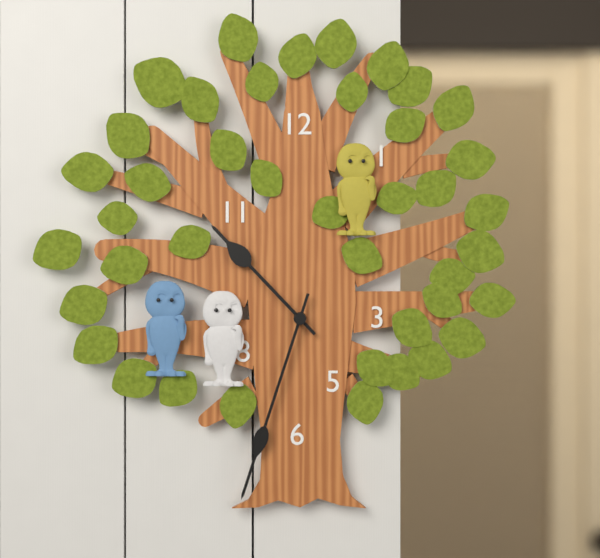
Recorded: h=10 m=33
